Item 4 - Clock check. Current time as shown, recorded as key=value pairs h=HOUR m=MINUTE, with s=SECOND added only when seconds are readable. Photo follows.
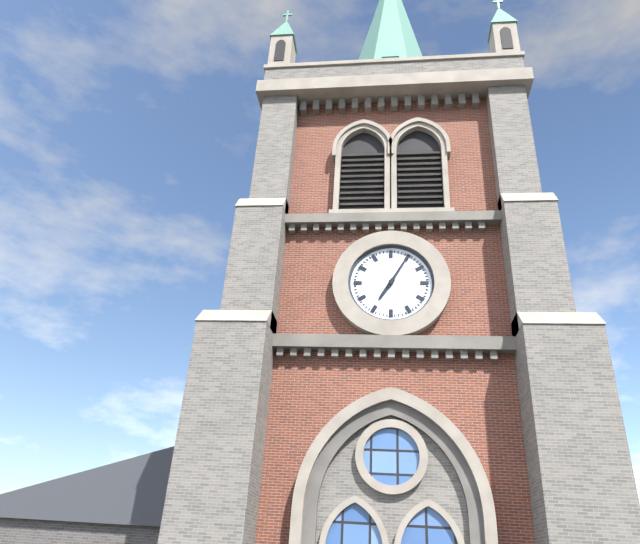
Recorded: h=7 m=5
